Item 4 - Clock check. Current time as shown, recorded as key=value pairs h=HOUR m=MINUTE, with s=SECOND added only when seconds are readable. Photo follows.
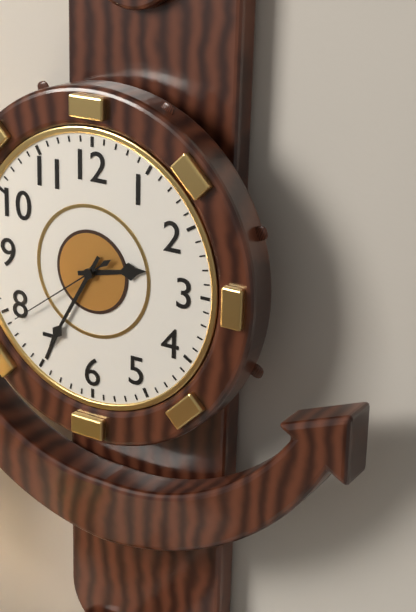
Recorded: h=2 m=35 s=39
